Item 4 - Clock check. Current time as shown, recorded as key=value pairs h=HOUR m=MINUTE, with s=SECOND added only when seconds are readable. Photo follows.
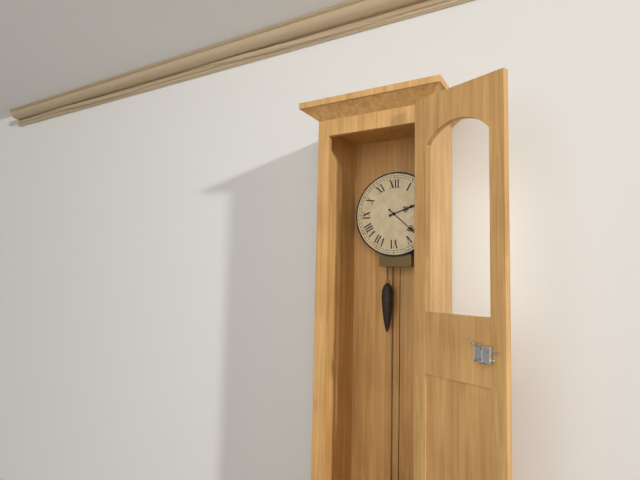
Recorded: h=2 m=22
